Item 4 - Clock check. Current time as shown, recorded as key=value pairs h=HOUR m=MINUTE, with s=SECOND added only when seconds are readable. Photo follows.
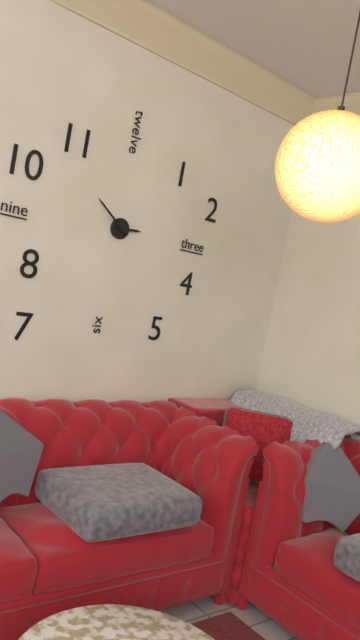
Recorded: h=2 m=51
